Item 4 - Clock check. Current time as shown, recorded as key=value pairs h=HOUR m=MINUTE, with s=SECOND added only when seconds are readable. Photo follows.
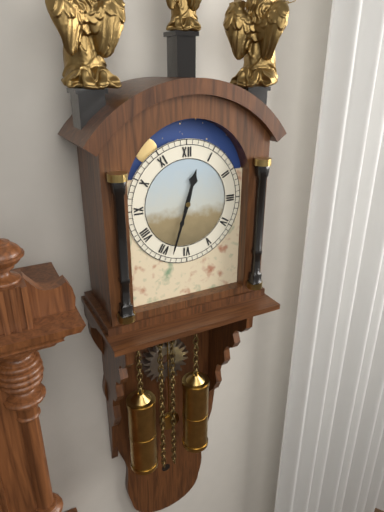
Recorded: h=12 m=33
